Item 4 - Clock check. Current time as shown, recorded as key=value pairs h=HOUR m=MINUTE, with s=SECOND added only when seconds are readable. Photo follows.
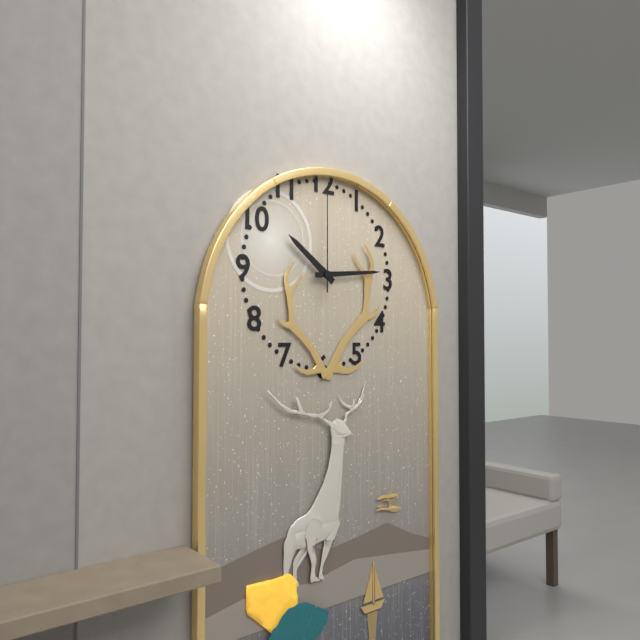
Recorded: h=10 m=14 s=0
